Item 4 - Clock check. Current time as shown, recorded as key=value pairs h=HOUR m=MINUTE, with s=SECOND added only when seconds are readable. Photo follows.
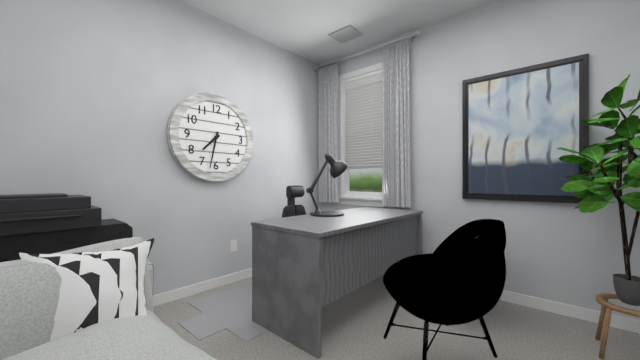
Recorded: h=7 m=32
